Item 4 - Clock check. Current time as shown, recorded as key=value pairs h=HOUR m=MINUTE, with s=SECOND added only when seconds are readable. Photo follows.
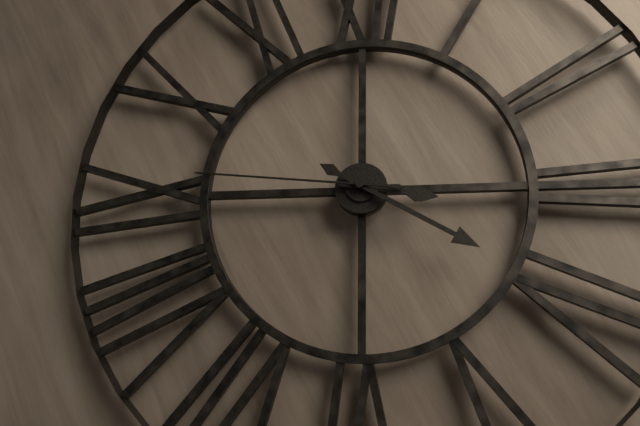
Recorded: h=3 m=20 s=46
